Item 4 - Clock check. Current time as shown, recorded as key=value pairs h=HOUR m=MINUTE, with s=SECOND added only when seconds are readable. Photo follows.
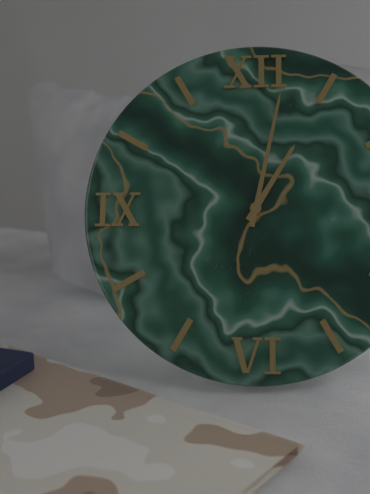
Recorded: h=1 m=2
